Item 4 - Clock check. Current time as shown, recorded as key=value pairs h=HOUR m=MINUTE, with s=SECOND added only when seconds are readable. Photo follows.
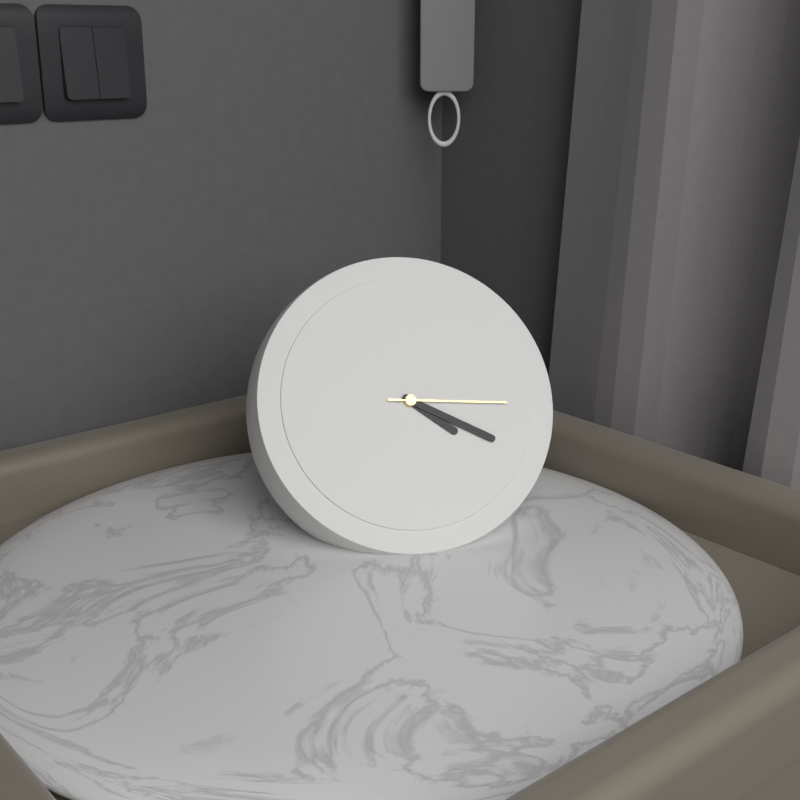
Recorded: h=4 m=20 s=16
